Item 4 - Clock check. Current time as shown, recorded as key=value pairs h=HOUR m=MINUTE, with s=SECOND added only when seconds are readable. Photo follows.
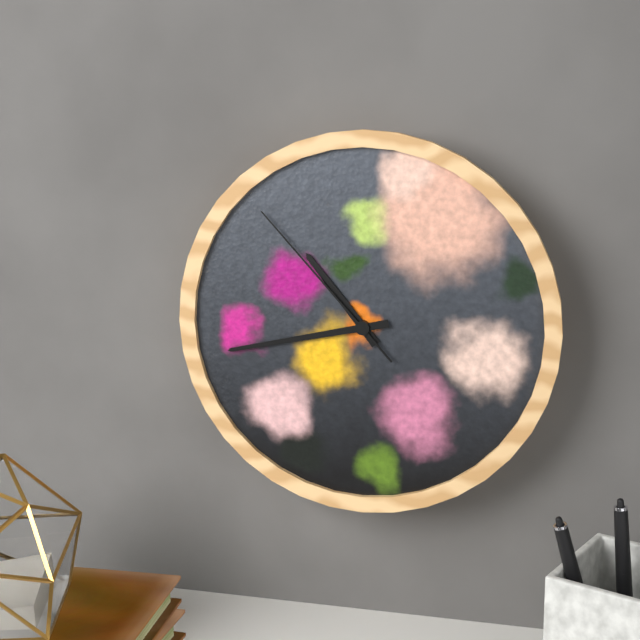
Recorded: h=10 m=43 s=53
